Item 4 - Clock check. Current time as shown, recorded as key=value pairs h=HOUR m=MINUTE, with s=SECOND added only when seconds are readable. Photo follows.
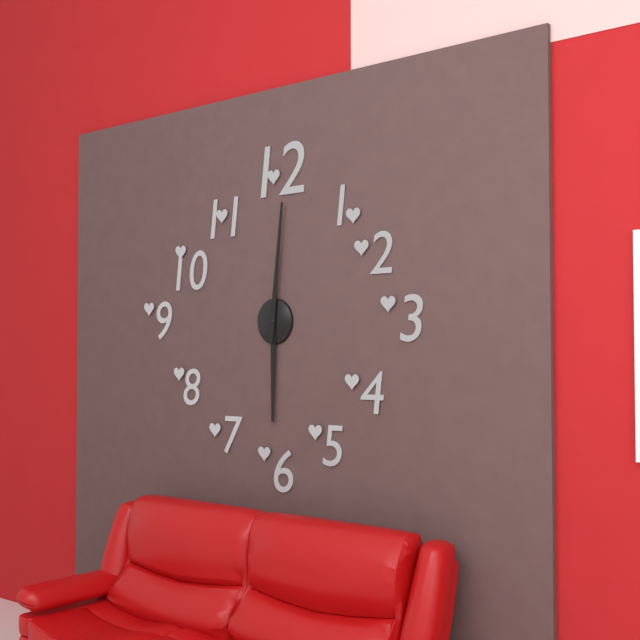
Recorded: h=6 m=1
